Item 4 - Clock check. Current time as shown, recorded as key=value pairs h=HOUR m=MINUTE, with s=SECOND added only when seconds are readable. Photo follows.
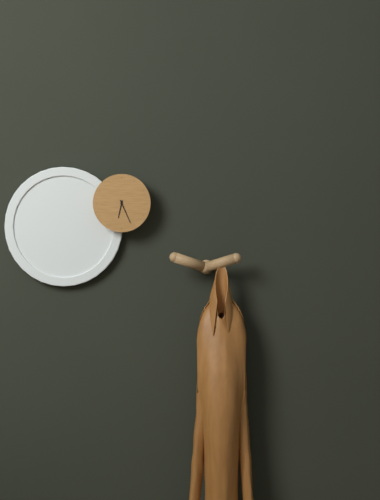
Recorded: h=6 m=26
